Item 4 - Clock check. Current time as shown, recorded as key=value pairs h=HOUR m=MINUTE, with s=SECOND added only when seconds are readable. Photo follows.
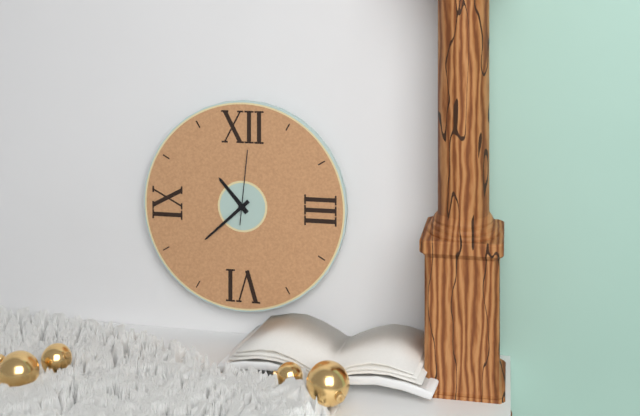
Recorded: h=10 m=38 s=1
